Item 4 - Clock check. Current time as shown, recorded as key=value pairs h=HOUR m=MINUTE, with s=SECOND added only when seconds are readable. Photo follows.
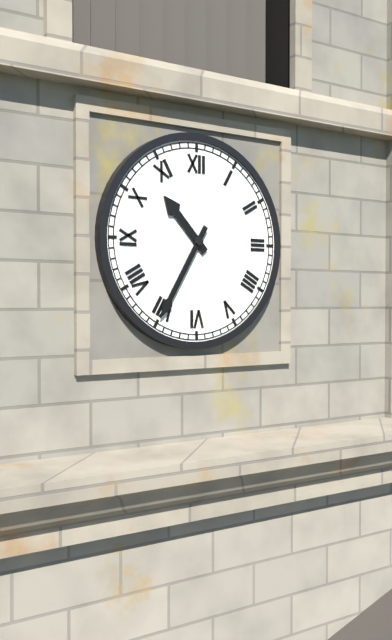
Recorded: h=10 m=35
